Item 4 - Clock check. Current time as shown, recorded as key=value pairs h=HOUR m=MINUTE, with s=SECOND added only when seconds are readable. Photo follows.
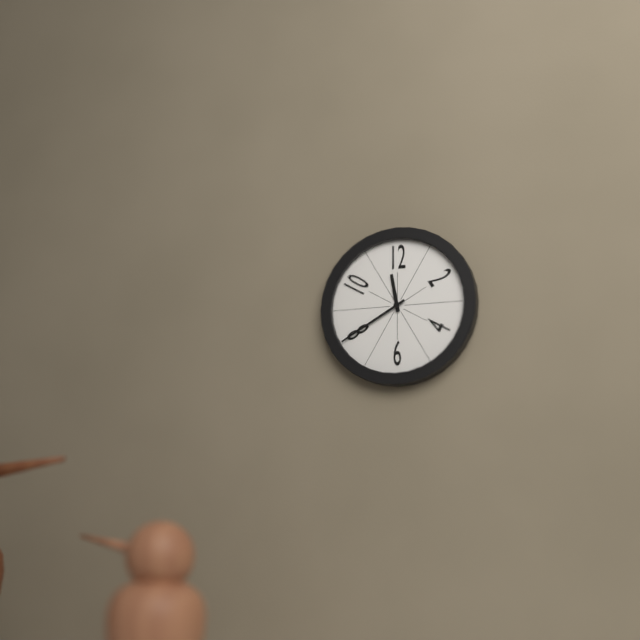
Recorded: h=11 m=40
